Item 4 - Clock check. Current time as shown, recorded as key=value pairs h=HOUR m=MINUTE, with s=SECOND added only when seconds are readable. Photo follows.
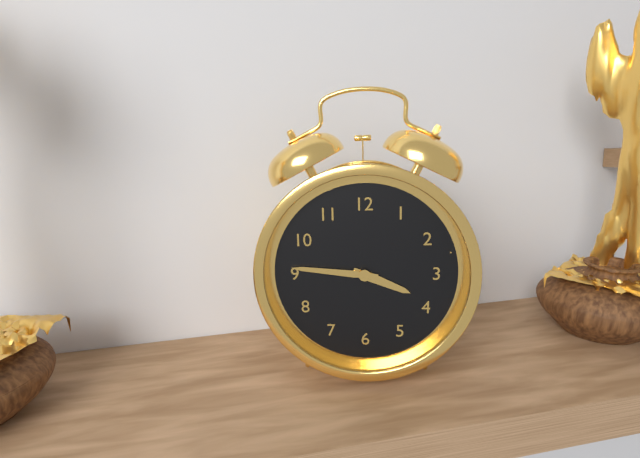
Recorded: h=3 m=46
